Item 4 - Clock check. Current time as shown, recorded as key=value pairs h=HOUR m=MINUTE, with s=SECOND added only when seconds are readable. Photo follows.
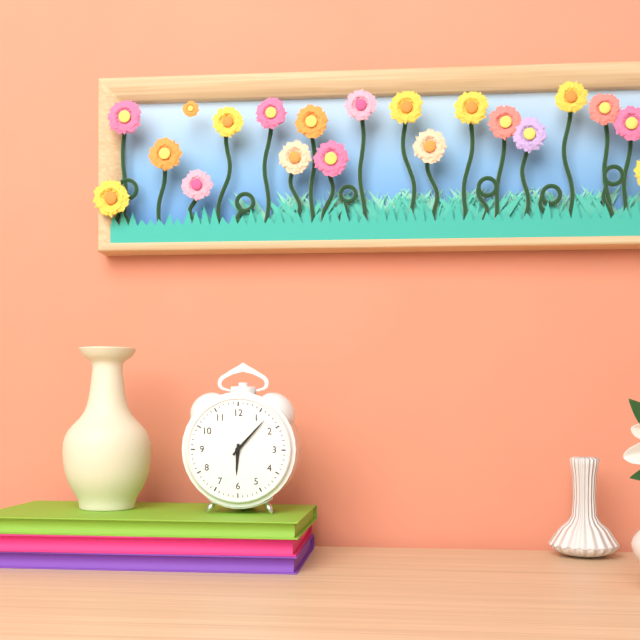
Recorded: h=6 m=7
